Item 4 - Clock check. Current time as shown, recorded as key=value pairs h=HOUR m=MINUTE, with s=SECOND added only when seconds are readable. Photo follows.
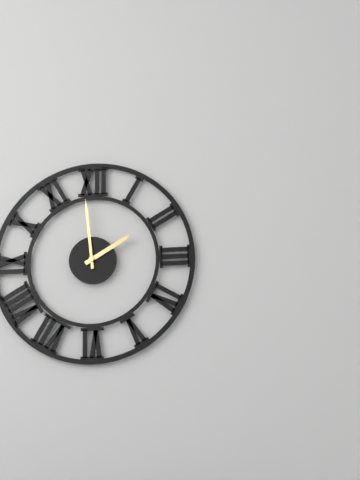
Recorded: h=1 m=59
